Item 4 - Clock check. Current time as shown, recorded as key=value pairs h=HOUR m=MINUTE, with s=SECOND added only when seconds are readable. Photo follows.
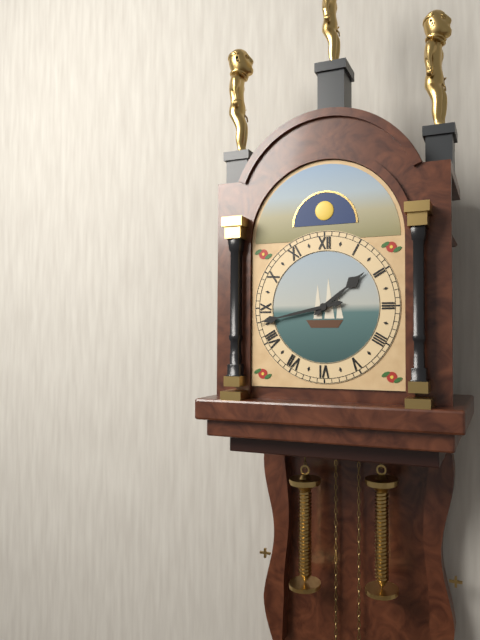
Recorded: h=1 m=43
